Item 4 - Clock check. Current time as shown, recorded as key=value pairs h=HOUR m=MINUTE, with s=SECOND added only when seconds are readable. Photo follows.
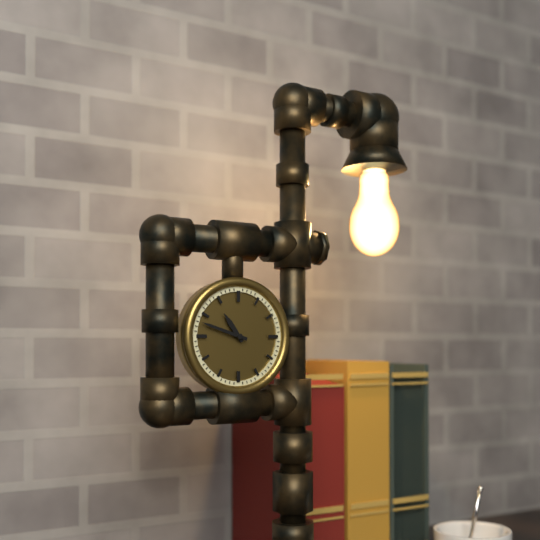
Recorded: h=10 m=48
